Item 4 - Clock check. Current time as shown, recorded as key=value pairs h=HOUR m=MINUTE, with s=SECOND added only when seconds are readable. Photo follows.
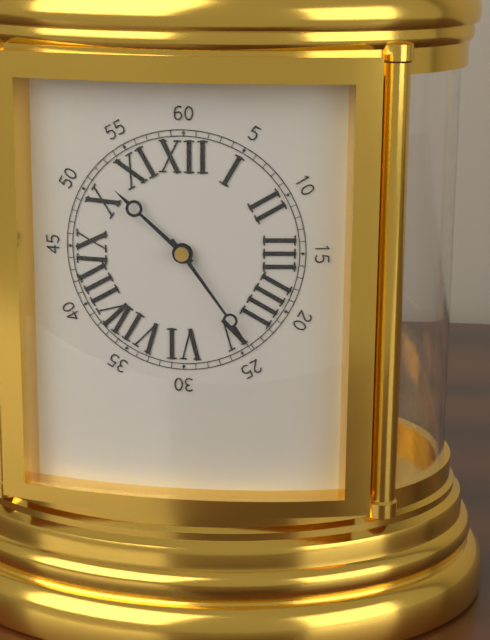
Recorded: h=10 m=24
